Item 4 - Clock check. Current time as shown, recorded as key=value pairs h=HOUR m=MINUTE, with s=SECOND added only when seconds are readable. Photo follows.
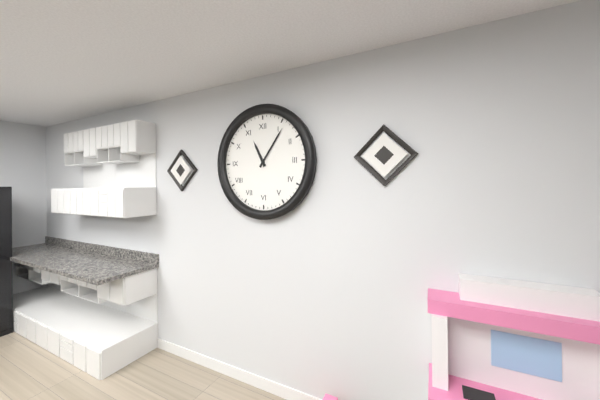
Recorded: h=11 m=6
